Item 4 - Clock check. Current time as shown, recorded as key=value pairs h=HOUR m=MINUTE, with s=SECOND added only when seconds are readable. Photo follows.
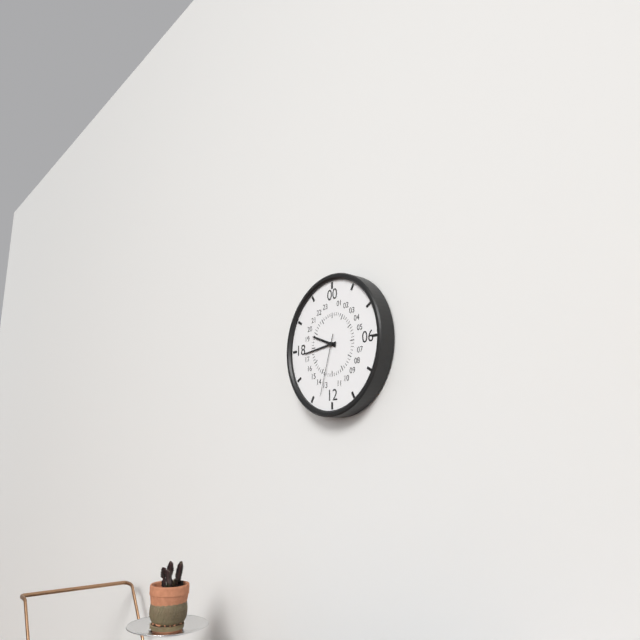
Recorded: h=9 m=44 s=33
